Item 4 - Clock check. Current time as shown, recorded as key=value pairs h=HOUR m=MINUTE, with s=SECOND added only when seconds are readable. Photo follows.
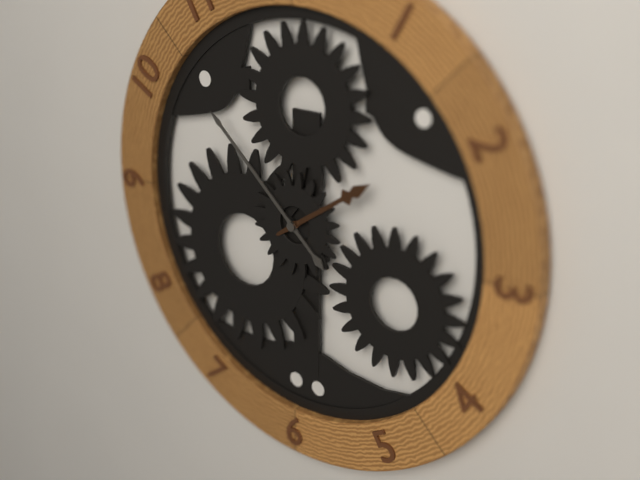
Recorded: h=1 m=52
